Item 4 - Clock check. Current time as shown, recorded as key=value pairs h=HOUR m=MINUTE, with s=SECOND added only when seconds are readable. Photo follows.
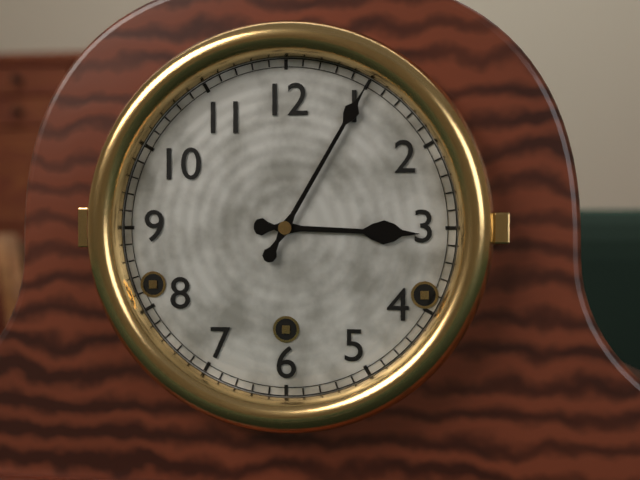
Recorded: h=3 m=5
